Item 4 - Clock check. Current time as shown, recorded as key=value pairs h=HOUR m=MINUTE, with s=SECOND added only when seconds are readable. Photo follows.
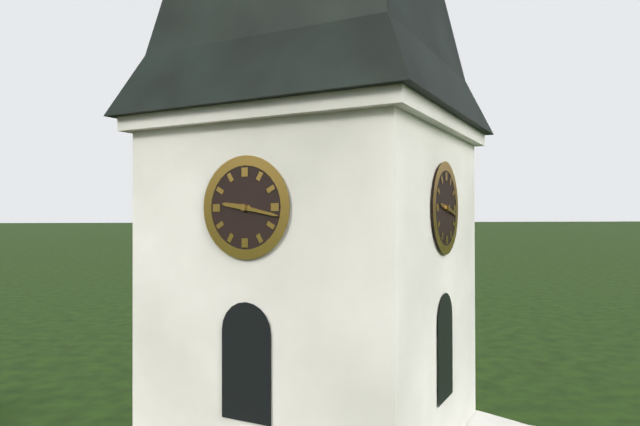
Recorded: h=9 m=17
